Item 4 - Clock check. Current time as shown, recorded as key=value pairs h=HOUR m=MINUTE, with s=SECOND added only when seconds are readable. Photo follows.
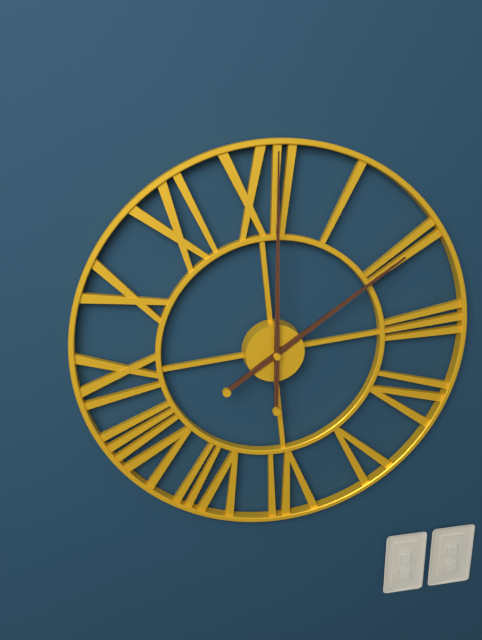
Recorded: h=2 m=1
